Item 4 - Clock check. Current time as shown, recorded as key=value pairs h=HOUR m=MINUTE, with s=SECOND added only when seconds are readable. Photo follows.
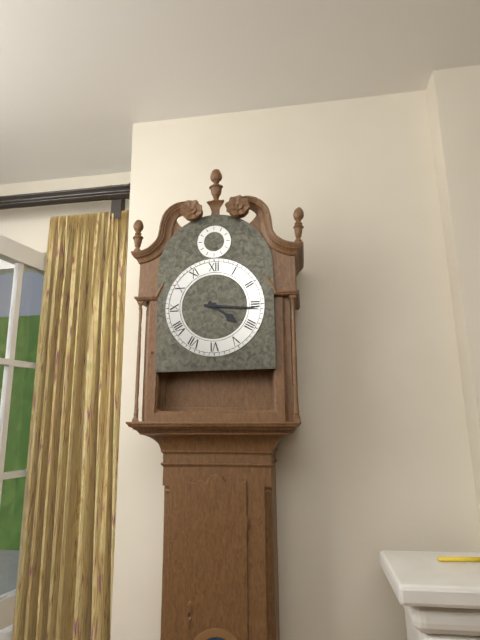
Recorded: h=4 m=16
